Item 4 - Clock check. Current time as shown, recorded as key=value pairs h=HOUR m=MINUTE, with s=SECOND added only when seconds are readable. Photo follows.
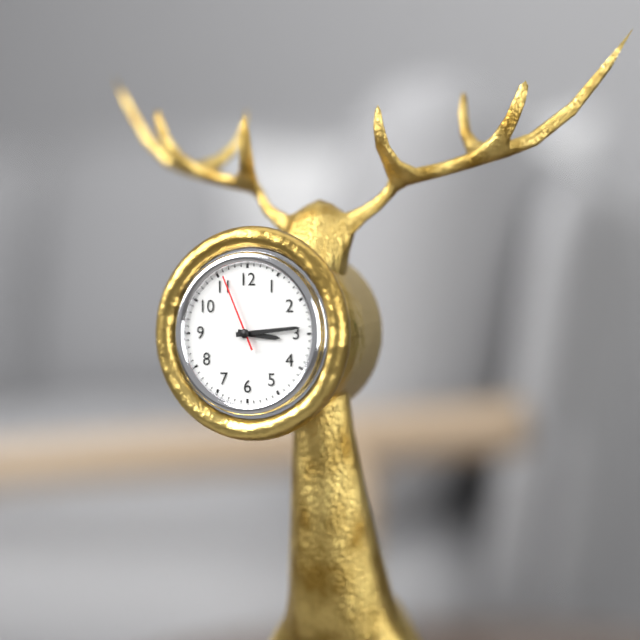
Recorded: h=3 m=14 s=56
